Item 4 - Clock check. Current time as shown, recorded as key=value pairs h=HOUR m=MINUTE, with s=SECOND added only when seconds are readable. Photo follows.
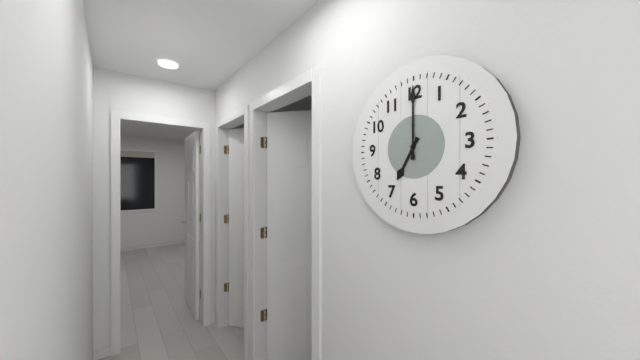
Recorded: h=7 m=0
